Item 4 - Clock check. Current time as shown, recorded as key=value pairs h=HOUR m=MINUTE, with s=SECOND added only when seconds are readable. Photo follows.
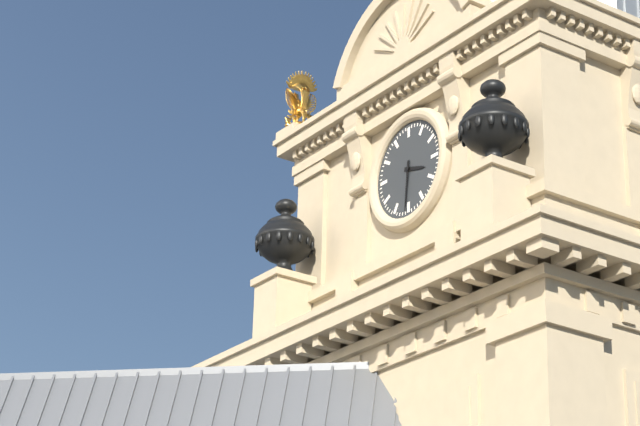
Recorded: h=3 m=31
